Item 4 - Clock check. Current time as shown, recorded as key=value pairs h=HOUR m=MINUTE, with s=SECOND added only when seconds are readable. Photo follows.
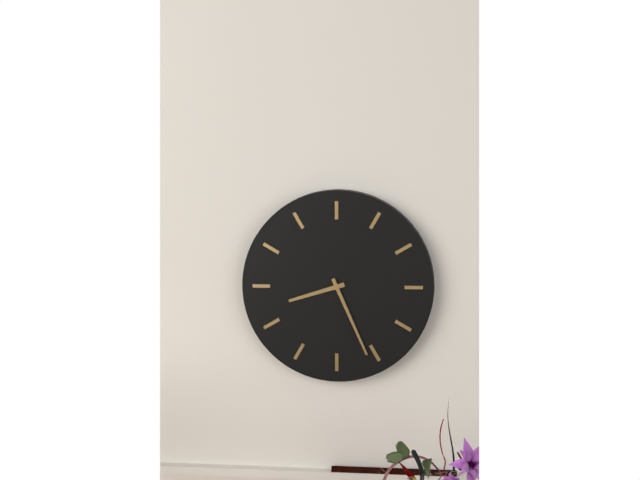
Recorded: h=8 m=26
